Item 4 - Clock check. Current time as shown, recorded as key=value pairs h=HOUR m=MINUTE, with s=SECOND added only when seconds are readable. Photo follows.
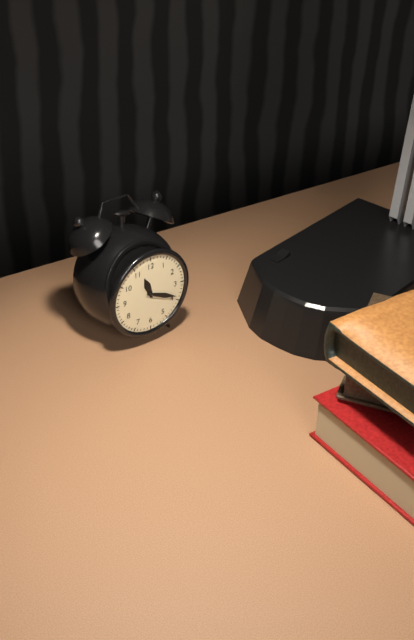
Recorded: h=11 m=19
